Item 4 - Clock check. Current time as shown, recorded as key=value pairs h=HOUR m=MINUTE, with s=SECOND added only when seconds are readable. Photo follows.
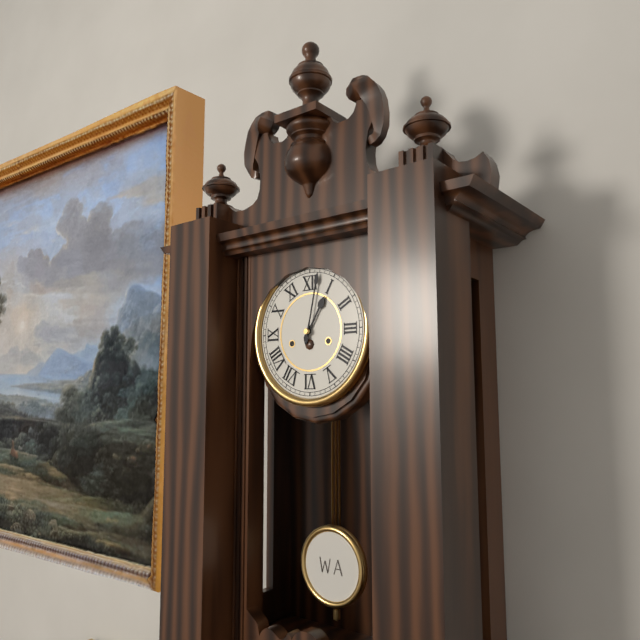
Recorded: h=1 m=2
